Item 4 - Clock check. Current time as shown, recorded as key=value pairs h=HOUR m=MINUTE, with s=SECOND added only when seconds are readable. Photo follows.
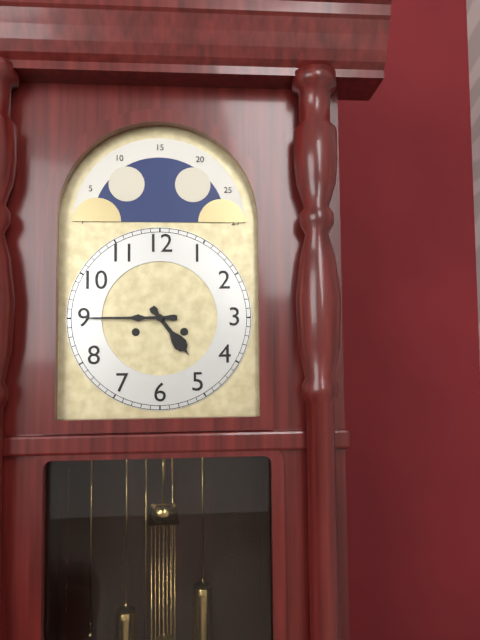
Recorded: h=4 m=45
